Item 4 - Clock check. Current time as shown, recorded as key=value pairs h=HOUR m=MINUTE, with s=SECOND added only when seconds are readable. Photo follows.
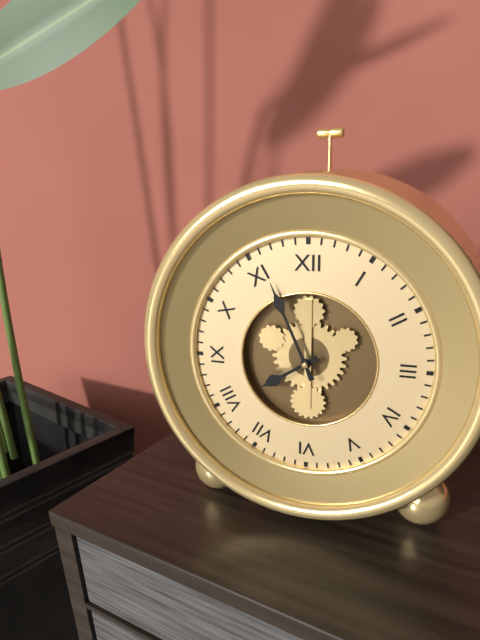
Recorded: h=7 m=56
